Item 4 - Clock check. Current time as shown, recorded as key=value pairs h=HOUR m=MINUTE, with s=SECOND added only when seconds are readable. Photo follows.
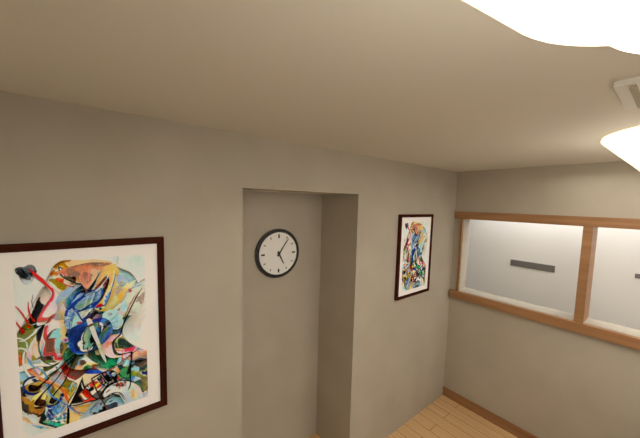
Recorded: h=5 m=6
